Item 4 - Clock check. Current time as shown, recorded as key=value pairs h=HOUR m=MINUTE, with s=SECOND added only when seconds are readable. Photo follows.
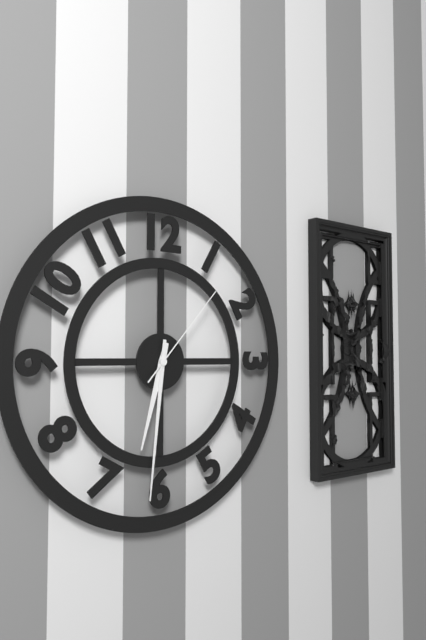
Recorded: h=6 m=31 s=7
